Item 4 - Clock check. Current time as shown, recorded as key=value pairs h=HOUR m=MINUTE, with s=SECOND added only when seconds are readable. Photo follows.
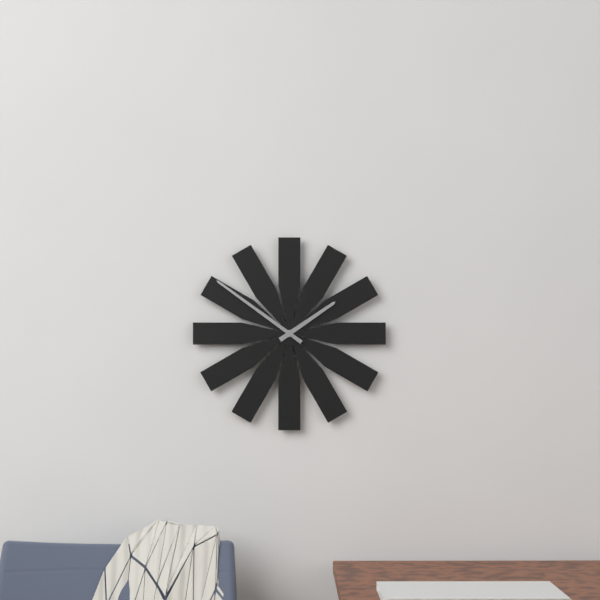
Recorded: h=1 m=51
